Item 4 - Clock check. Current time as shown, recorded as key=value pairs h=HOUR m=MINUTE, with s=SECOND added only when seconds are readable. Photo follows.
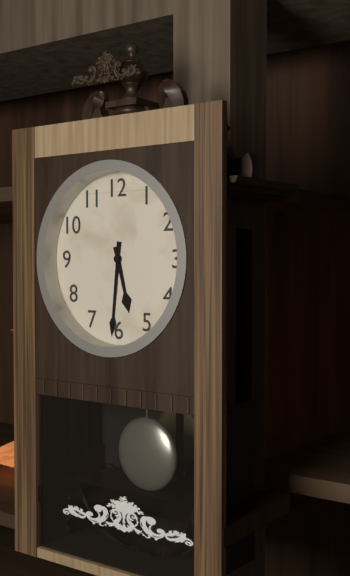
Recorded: h=5 m=31
